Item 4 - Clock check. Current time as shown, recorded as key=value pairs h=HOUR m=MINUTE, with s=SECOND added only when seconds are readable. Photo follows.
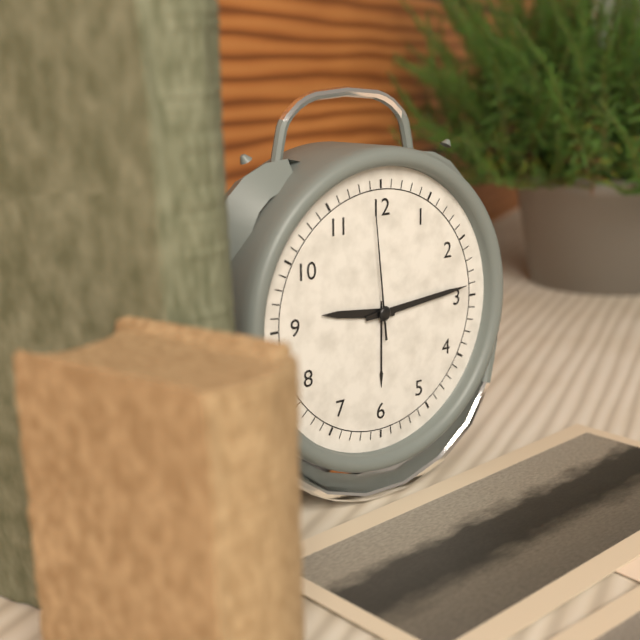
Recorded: h=9 m=14 s=59
